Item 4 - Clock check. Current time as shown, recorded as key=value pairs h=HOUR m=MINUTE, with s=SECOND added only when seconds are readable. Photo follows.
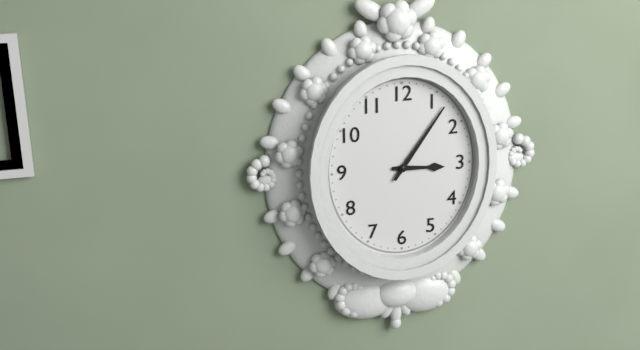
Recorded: h=3 m=6
